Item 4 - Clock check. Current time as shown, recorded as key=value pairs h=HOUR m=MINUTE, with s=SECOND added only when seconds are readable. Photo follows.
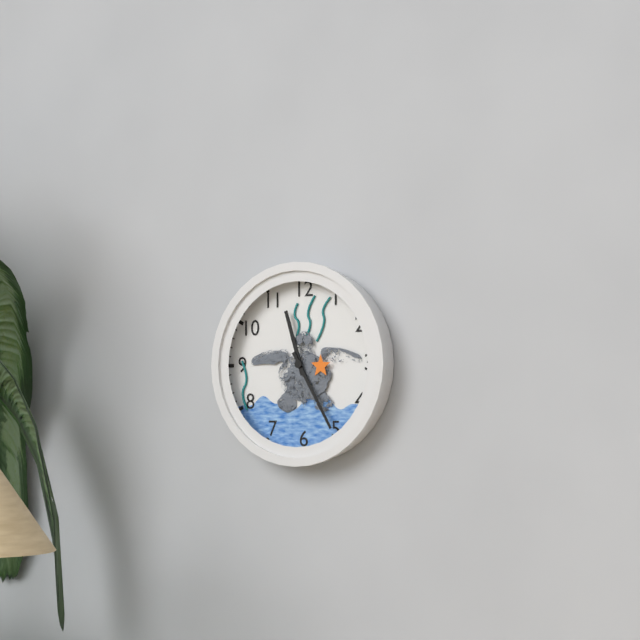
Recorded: h=11 m=25
